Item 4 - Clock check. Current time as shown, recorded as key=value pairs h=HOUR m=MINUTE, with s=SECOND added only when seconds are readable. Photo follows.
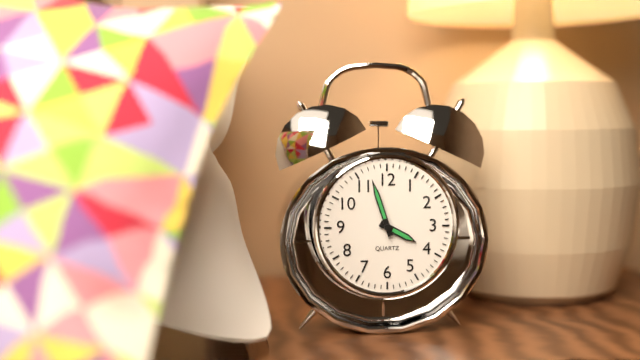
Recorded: h=3 m=57
